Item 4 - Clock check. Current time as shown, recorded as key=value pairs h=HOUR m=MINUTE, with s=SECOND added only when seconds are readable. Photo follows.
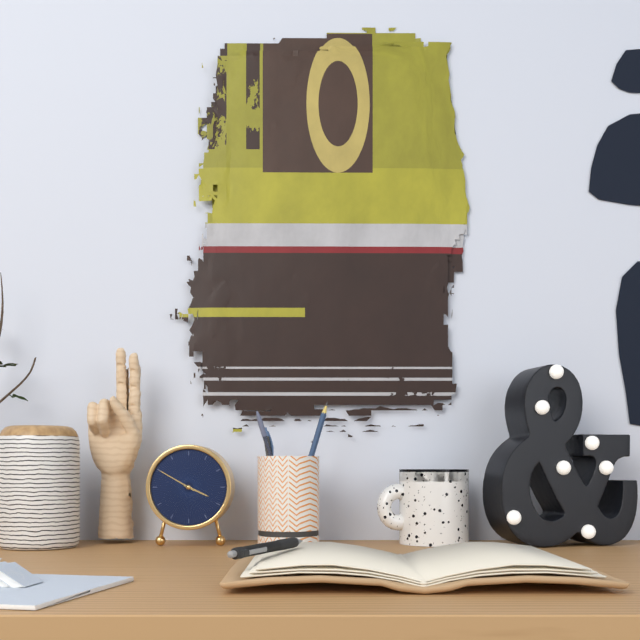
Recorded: h=3 m=50
